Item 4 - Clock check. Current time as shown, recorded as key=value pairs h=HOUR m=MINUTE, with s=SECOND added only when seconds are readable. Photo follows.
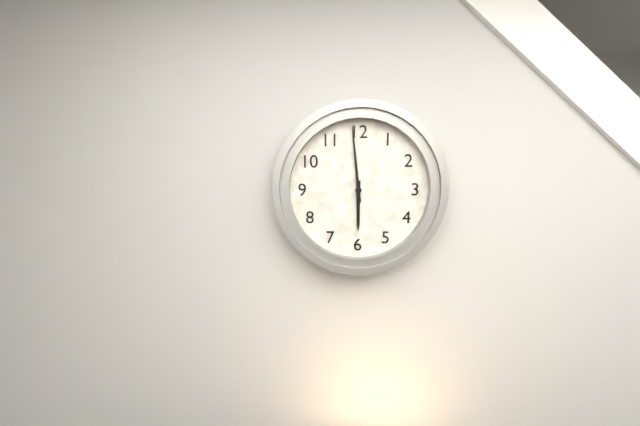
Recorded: h=5 m=59
